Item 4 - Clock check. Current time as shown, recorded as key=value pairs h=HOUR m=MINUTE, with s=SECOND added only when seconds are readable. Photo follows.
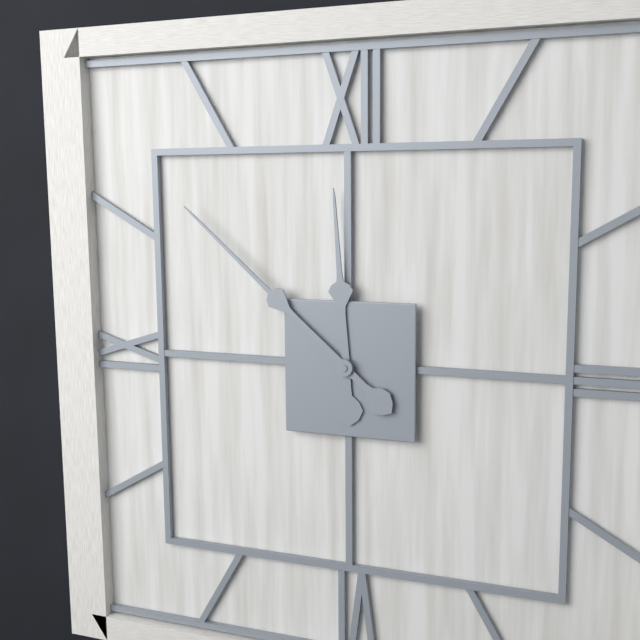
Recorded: h=11 m=52
